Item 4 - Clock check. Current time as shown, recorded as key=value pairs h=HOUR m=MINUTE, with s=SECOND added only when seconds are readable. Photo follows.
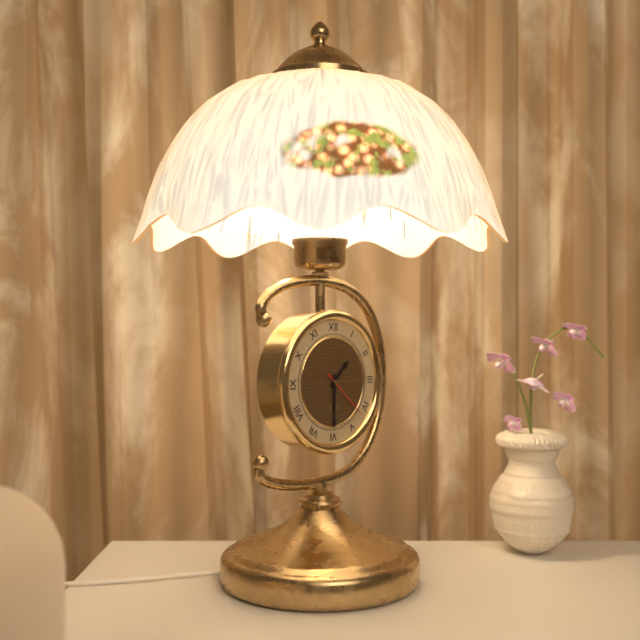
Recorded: h=1 m=30 s=22
